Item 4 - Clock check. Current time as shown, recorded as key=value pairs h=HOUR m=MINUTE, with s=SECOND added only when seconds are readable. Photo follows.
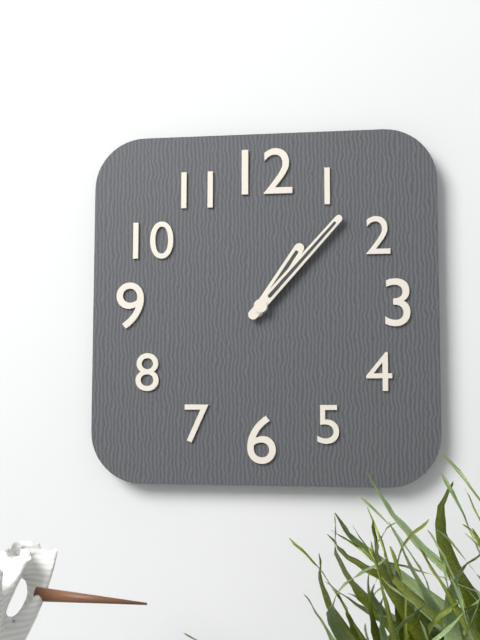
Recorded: h=1 m=7
